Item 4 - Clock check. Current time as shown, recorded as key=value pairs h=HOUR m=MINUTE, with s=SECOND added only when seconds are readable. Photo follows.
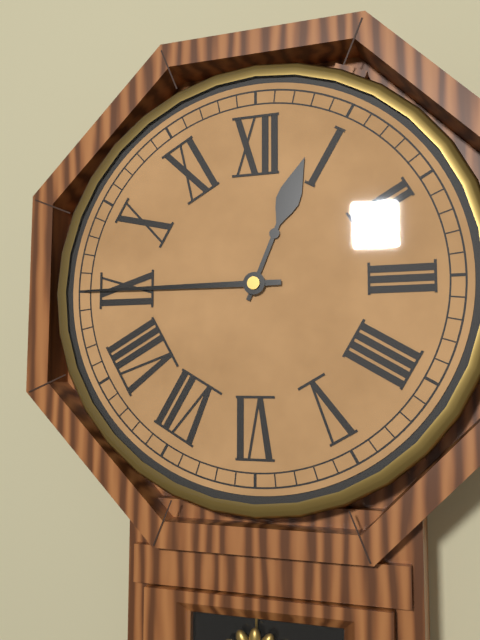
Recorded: h=12 m=45
